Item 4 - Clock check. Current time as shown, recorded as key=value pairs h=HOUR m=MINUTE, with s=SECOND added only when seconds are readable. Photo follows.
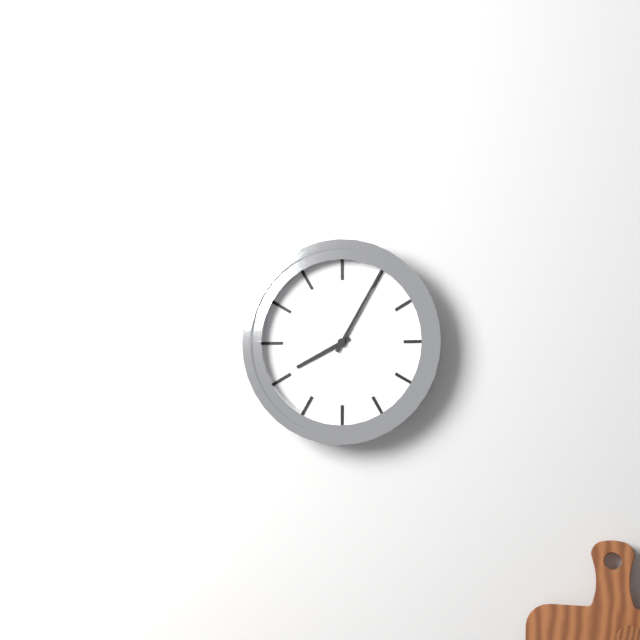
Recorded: h=8 m=5
